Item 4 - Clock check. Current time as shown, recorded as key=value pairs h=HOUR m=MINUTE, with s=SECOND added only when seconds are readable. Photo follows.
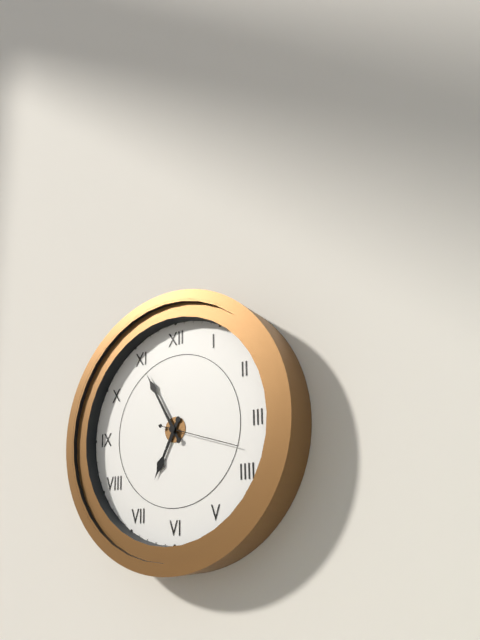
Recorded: h=6 m=55 s=18
